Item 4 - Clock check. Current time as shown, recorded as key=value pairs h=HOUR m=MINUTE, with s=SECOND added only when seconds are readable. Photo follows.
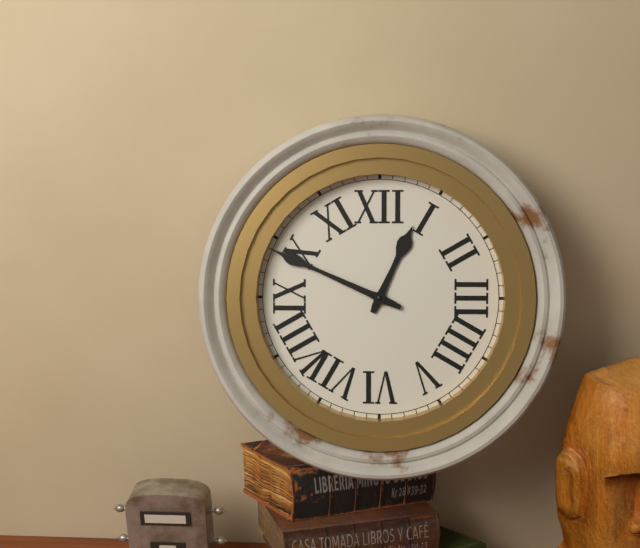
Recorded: h=12 m=49
